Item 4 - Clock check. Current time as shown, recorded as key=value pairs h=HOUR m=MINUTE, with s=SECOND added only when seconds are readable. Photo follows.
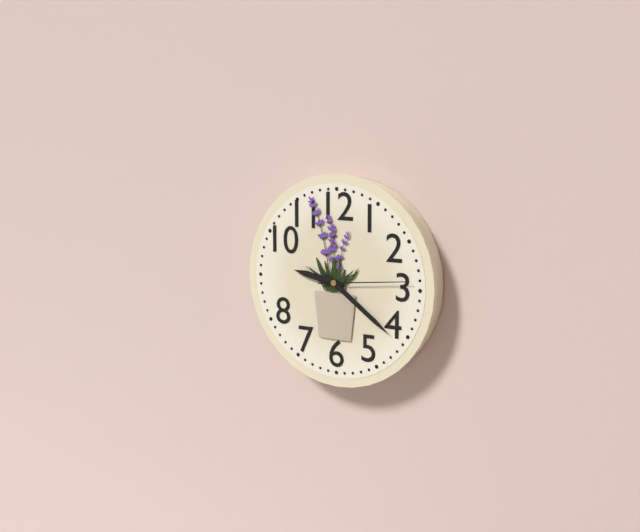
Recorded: h=9 m=21 s=14
